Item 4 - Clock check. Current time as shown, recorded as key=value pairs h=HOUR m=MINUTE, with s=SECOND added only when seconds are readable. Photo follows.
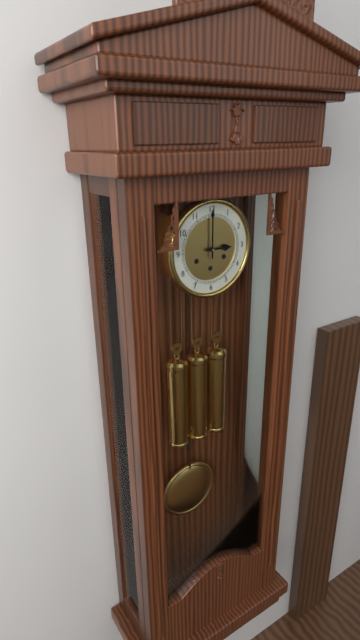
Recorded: h=3 m=0
